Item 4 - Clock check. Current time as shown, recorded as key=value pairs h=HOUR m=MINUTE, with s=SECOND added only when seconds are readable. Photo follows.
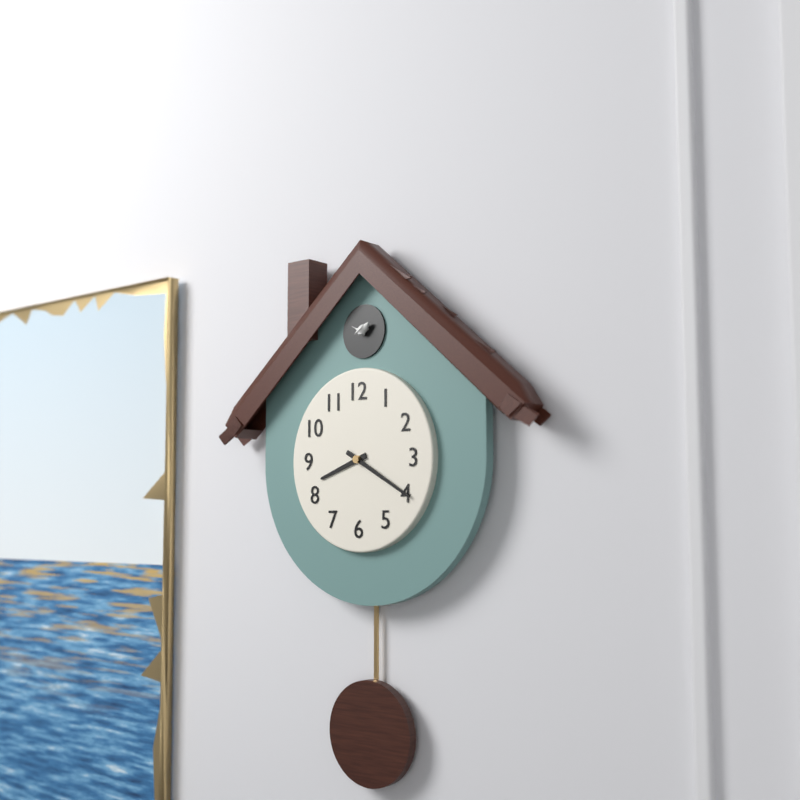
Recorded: h=8 m=20
